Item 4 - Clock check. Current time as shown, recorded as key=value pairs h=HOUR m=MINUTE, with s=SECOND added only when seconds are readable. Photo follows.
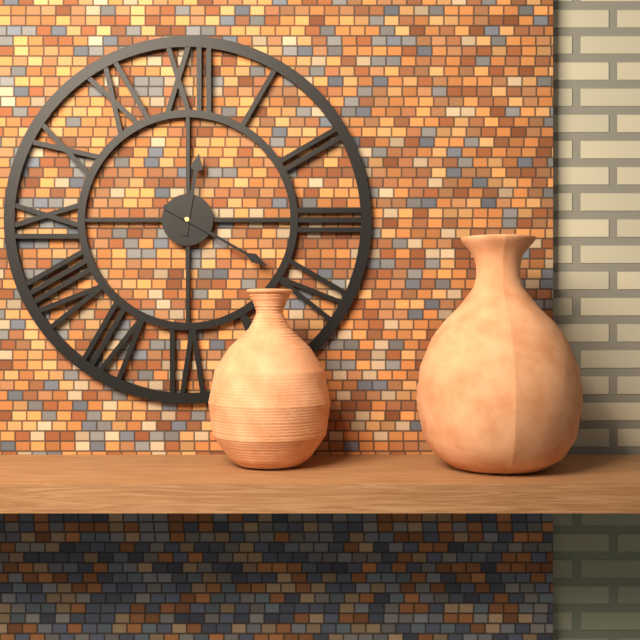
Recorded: h=12 m=20
